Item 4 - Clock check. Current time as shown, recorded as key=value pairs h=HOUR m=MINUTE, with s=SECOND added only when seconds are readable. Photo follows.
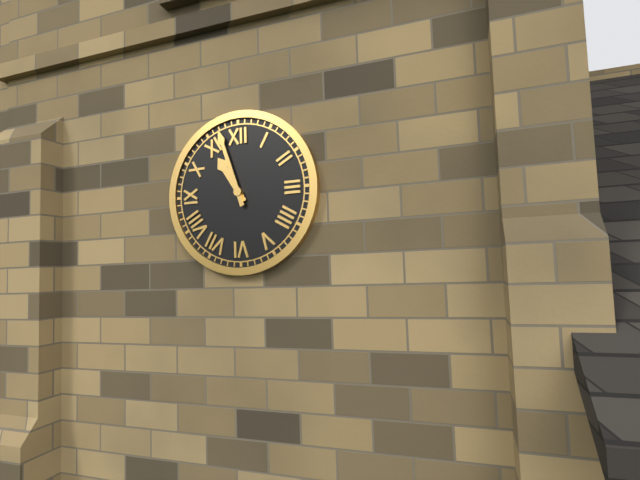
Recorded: h=10 m=57
